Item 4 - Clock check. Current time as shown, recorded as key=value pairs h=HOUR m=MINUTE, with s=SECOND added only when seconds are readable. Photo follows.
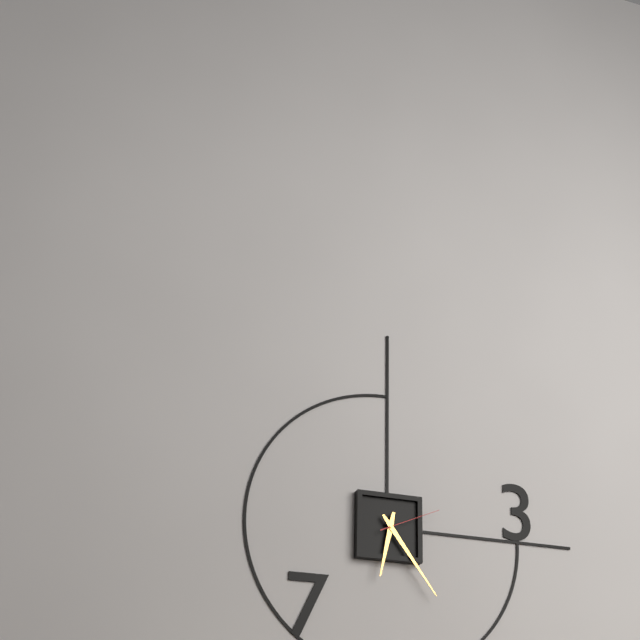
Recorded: h=6 m=24 s=11
